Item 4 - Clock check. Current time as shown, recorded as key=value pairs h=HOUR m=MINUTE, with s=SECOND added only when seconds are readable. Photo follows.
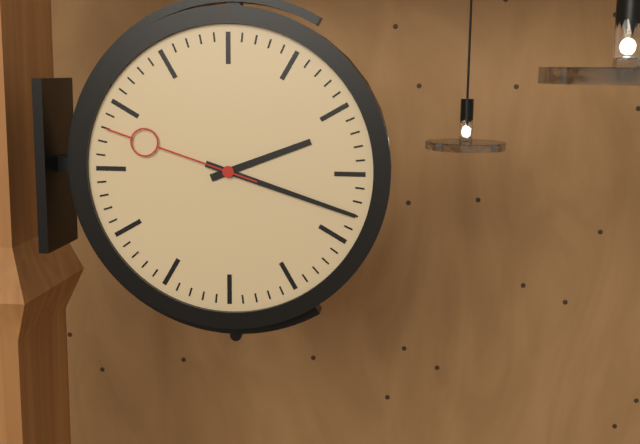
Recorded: h=2 m=18 s=48
